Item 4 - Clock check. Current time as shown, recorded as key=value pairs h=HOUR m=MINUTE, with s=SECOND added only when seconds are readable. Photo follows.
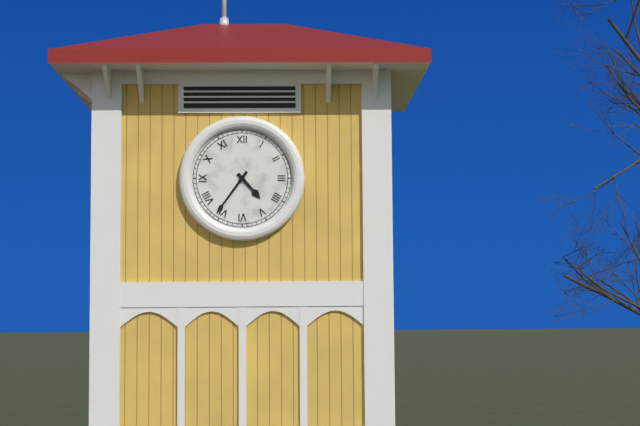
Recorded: h=4 m=36
